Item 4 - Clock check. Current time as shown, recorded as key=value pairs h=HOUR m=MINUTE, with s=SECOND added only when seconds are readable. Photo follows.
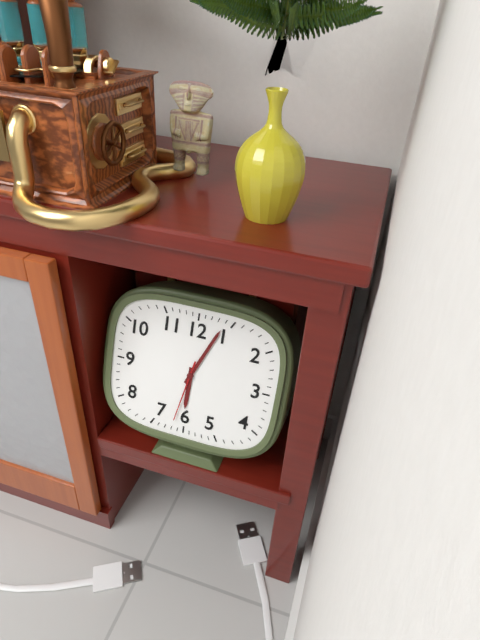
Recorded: h=6 m=4 s=32
